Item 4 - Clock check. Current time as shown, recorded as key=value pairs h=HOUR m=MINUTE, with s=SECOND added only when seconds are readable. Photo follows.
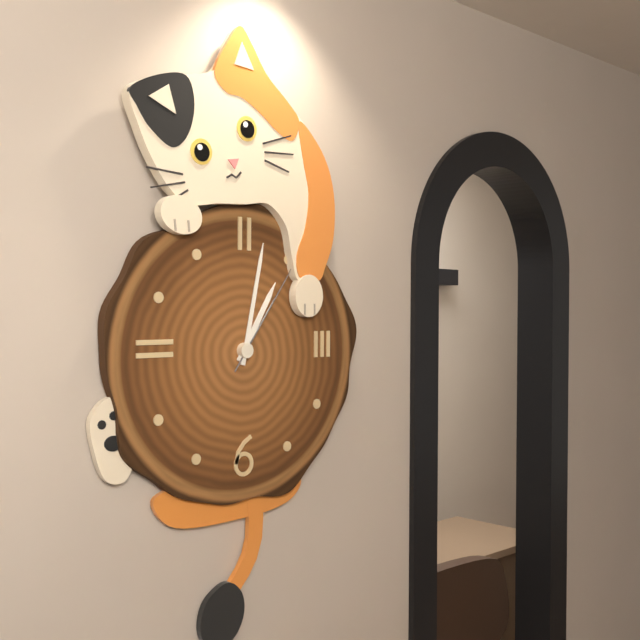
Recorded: h=1 m=2 s=6
